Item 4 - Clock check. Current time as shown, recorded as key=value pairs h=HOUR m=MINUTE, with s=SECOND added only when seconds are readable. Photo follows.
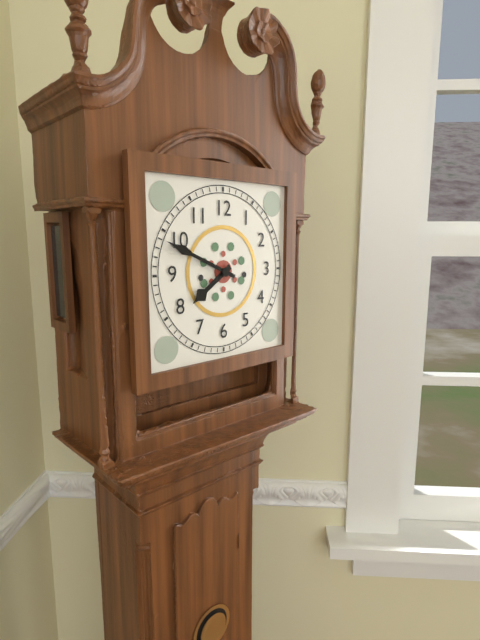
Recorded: h=7 m=49
